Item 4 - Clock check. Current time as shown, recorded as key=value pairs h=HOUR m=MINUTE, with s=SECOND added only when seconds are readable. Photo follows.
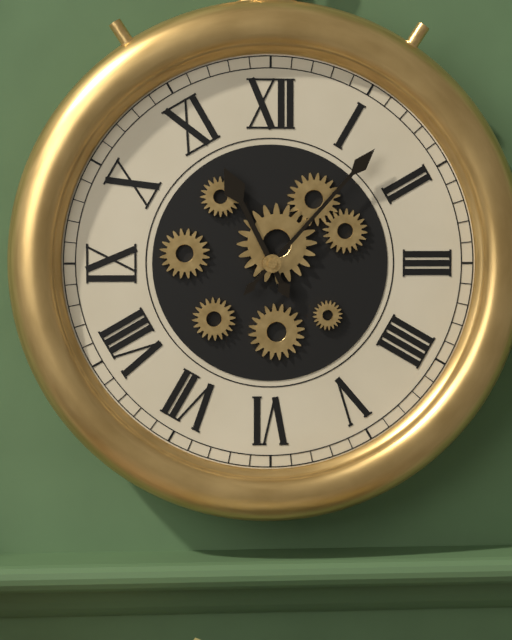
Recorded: h=11 m=7
